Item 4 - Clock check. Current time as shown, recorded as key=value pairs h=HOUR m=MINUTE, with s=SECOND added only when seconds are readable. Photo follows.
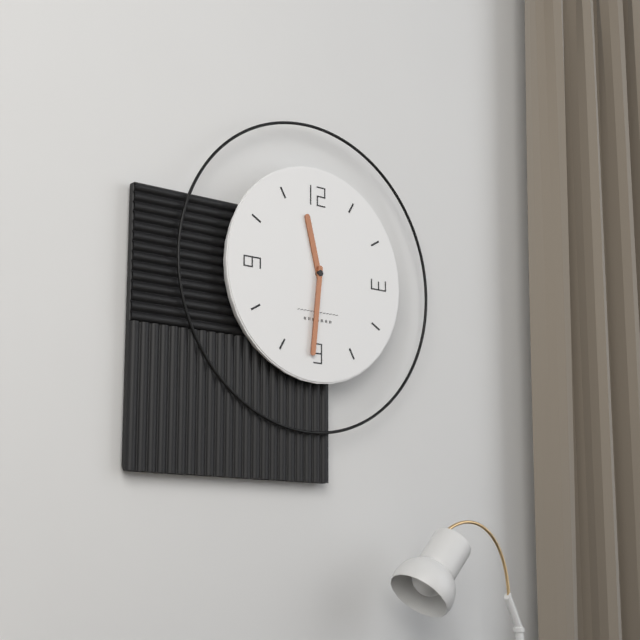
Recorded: h=11 m=31
